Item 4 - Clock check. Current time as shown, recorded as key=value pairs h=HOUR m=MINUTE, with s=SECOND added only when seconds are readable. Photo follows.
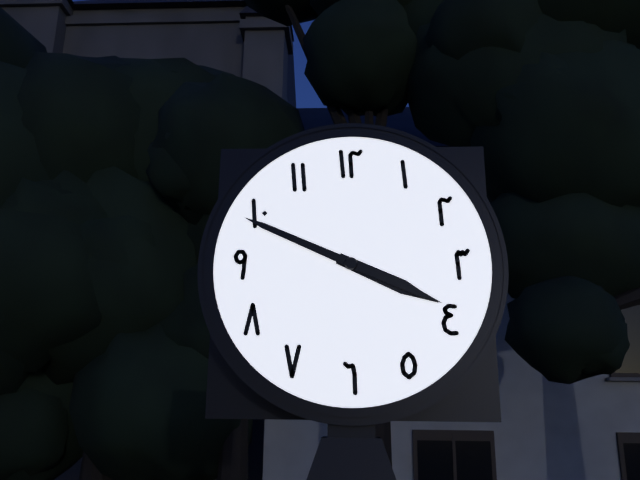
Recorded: h=3 m=49
